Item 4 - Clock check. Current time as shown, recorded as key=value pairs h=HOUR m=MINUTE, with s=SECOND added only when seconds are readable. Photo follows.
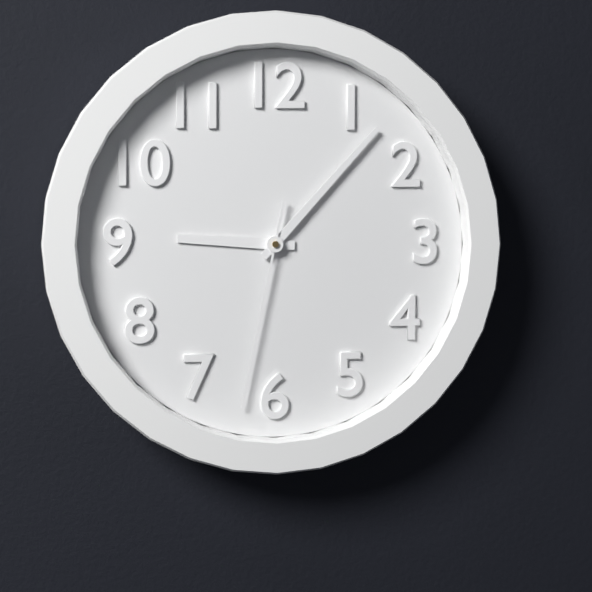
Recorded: h=9 m=7 s=32
